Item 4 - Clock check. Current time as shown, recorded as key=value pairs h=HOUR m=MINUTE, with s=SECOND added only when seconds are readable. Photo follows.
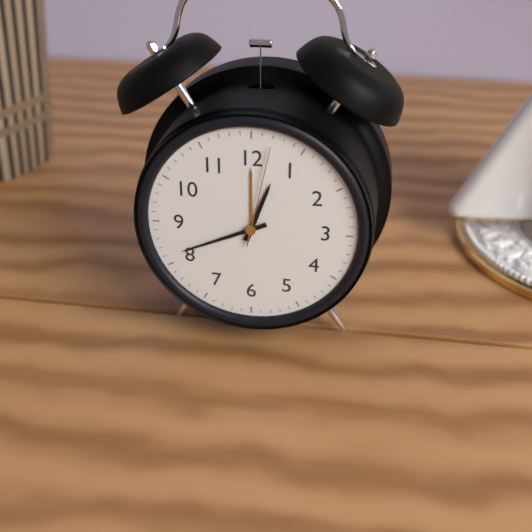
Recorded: h=12 m=41 s=2
